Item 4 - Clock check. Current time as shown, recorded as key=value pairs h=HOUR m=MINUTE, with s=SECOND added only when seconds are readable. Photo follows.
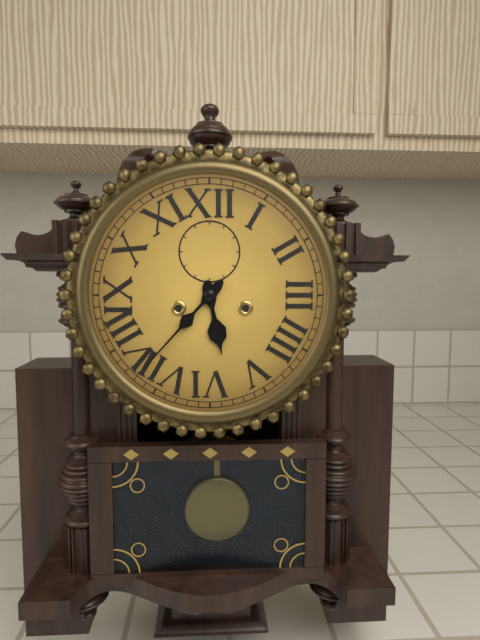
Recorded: h=5 m=37
